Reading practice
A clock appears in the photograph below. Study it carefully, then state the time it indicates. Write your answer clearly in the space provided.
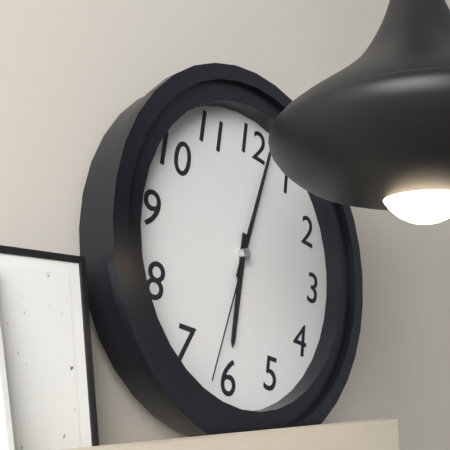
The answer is 6:02:32
